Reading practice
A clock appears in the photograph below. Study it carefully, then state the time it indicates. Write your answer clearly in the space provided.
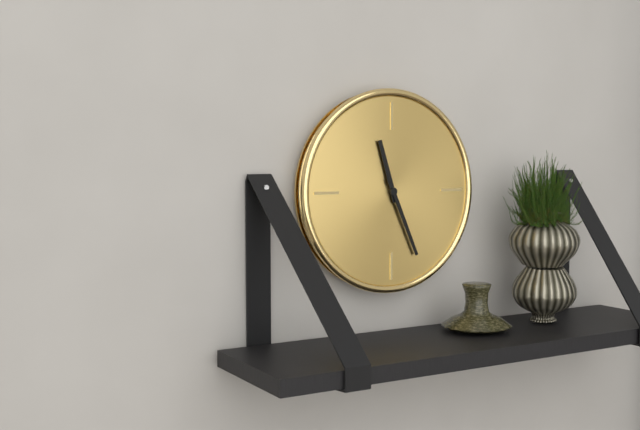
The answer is 11:26
